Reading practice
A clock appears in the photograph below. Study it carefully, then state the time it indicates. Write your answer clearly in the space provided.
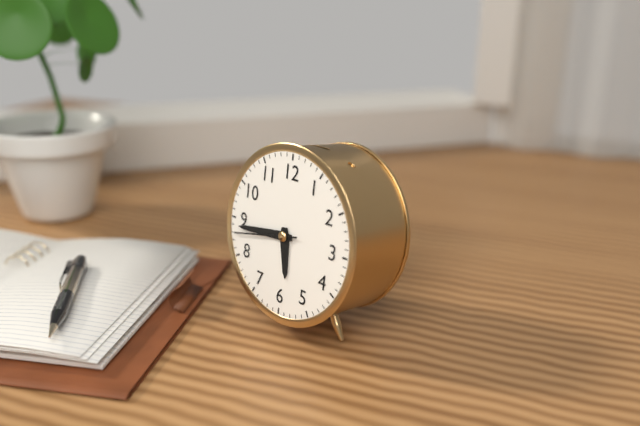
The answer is 5:44:43
